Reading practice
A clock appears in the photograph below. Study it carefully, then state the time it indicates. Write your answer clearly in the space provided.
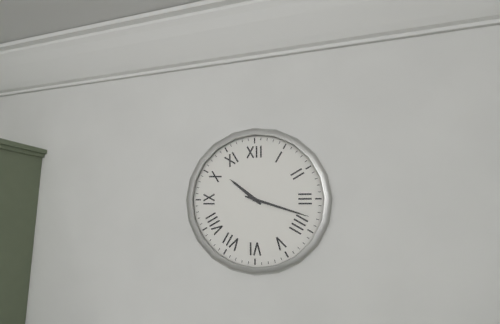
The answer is 10:18
